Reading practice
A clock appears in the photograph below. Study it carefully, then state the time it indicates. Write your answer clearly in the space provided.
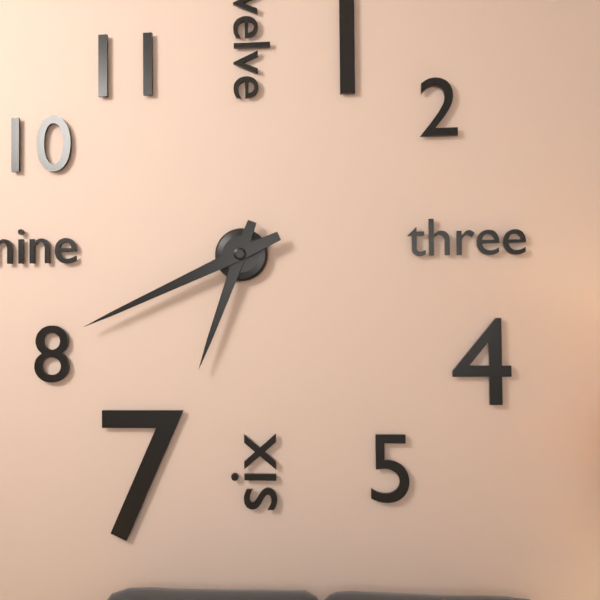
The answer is 6:41
